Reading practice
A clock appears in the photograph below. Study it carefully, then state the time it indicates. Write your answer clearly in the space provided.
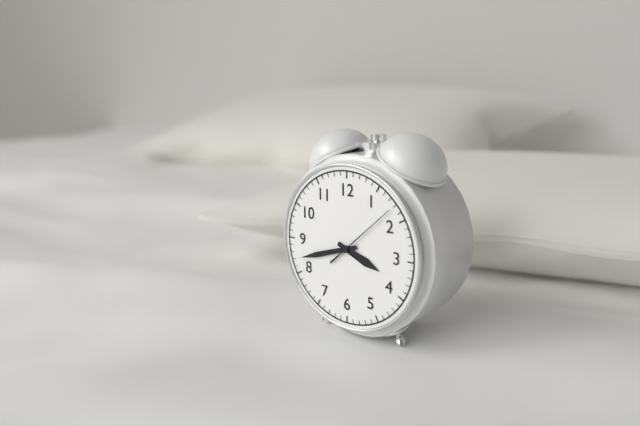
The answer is 3:42:08
